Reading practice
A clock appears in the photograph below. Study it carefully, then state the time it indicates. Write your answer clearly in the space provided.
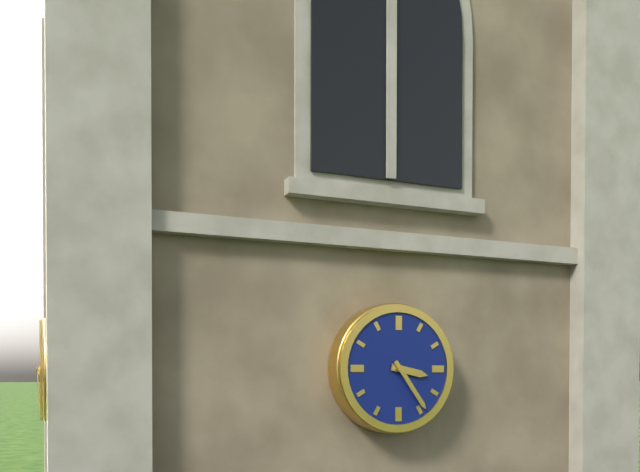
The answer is 3:24
